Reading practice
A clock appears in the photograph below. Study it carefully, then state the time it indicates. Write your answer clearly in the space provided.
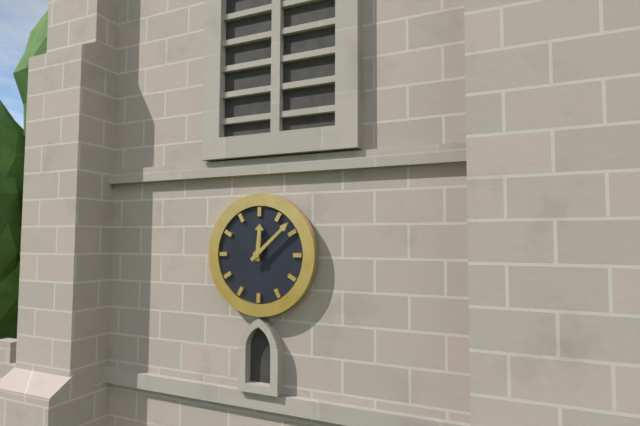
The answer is 12:08
